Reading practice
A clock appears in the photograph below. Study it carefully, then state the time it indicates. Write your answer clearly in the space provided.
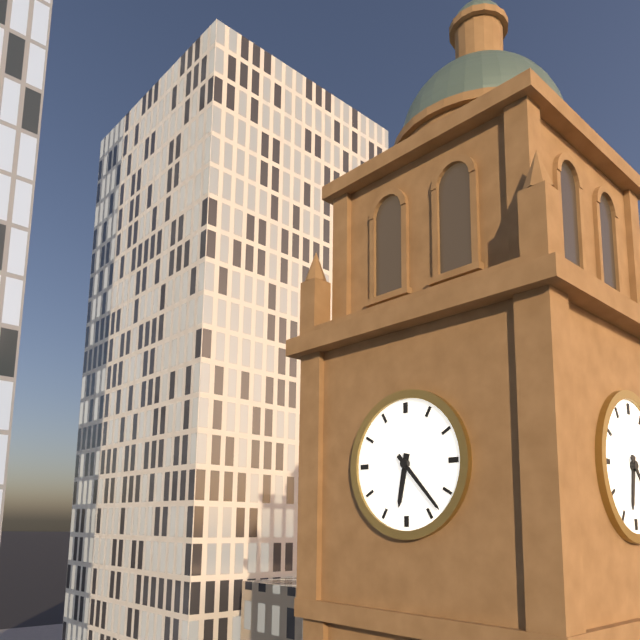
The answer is 6:23
